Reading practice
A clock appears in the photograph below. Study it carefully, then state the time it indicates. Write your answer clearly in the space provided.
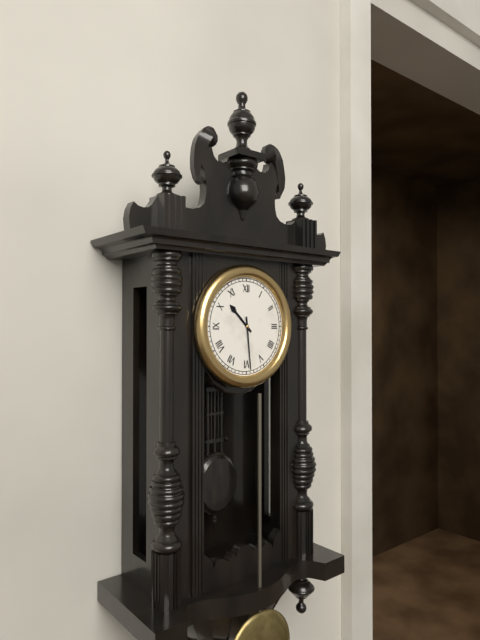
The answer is 10:29
